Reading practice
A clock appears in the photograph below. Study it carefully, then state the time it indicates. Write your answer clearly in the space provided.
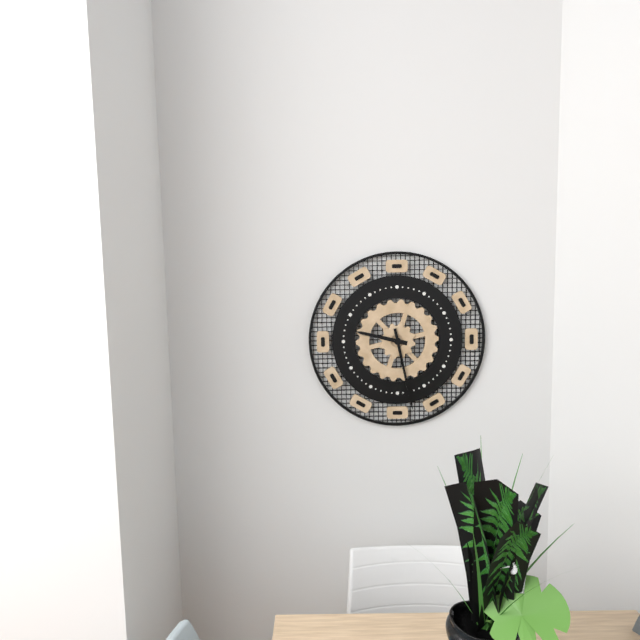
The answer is 9:28
